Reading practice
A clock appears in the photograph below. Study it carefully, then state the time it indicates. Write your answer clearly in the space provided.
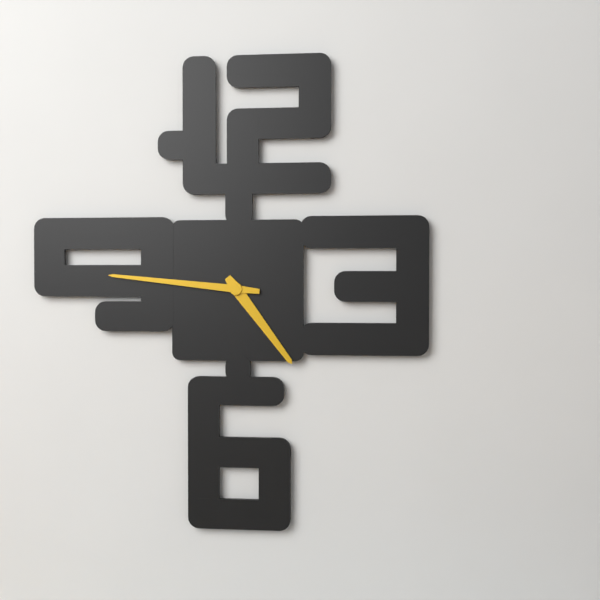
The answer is 4:46
